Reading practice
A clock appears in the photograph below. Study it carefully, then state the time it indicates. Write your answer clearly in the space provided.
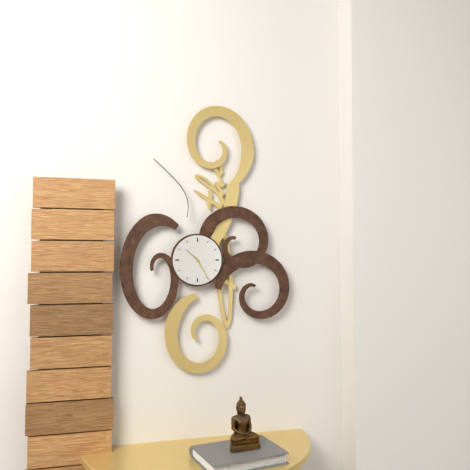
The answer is 10:25
